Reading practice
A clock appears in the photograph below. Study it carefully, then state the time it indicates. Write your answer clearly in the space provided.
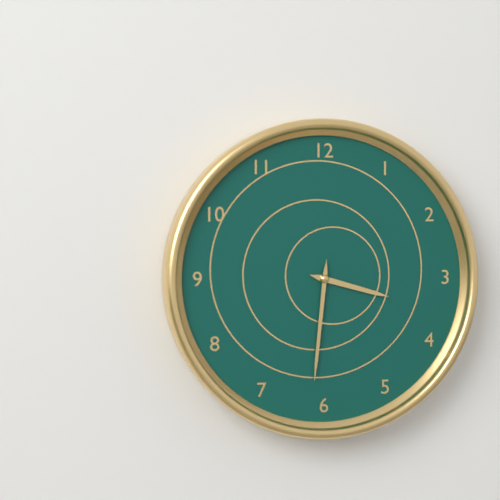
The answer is 3:31
